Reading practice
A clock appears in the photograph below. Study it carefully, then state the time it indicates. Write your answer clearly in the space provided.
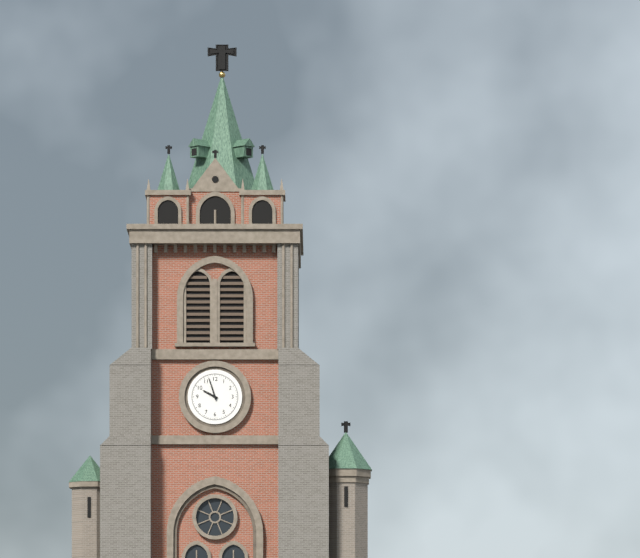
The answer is 9:57
